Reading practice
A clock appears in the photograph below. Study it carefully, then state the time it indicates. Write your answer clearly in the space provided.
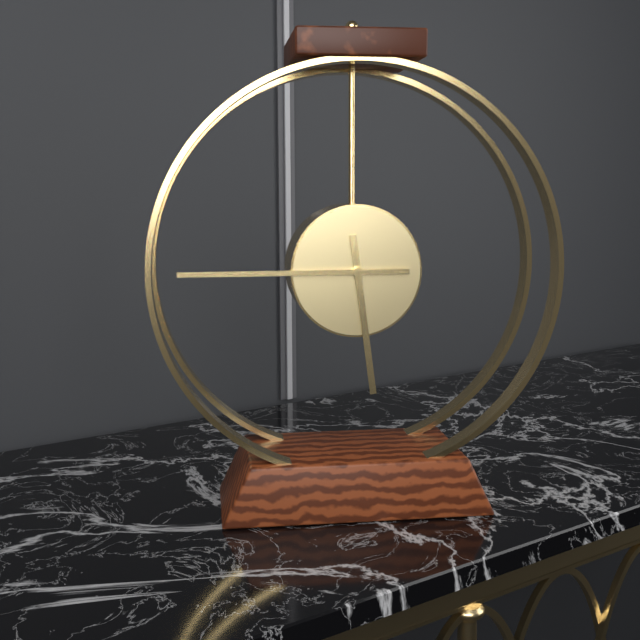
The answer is 5:45
